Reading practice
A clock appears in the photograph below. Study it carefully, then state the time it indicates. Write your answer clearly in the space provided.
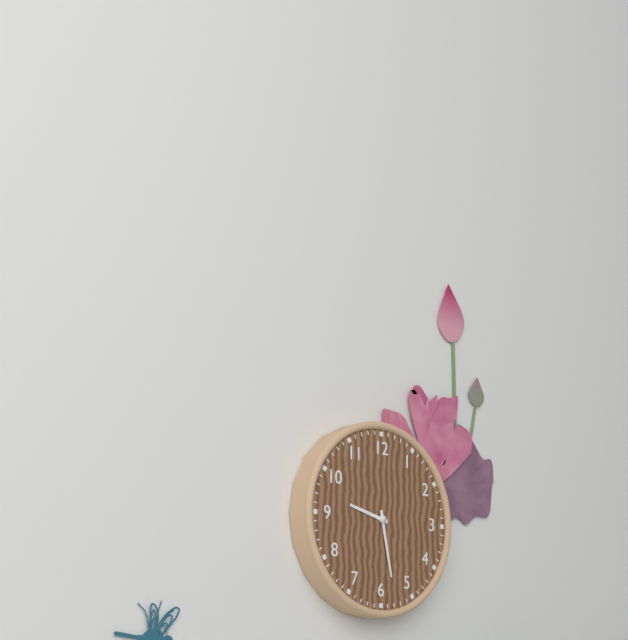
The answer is 9:28
